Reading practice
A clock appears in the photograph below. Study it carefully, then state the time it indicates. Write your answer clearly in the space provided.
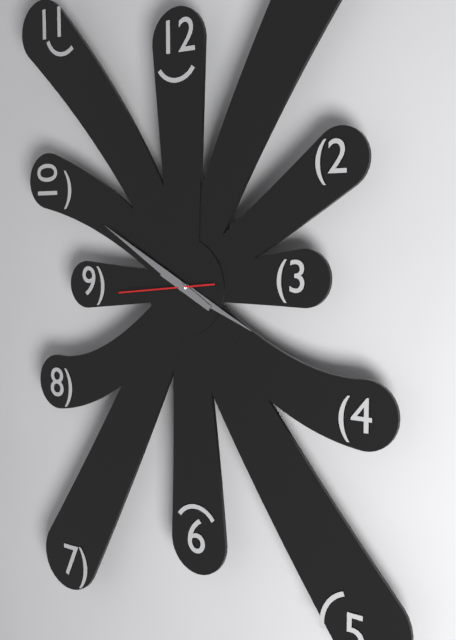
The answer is 3:50:44
